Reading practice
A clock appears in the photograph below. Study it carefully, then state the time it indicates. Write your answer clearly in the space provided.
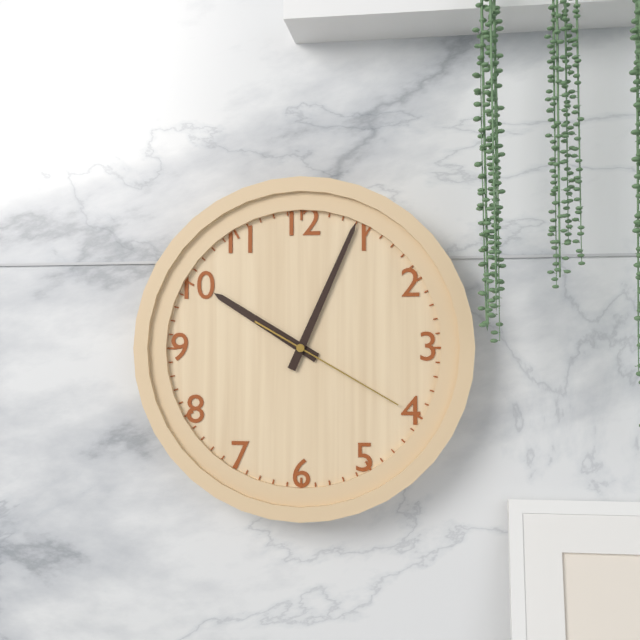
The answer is 10:04:20
